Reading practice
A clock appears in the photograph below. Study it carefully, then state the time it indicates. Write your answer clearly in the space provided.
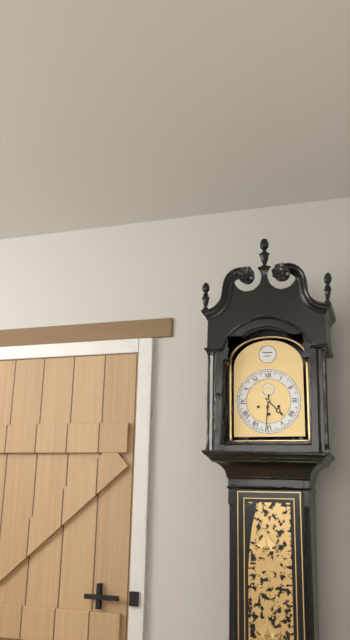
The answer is 4:31
